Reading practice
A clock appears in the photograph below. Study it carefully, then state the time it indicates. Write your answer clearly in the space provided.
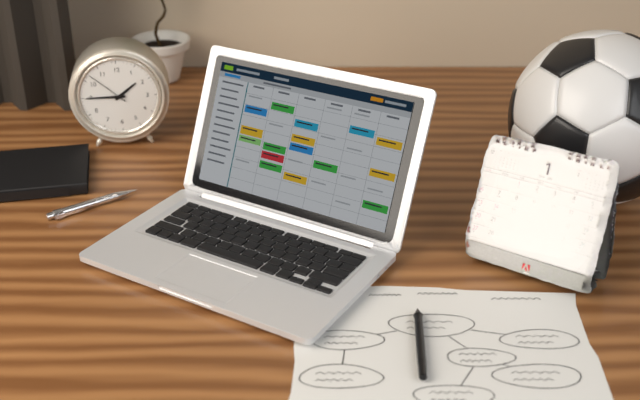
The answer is 1:45
